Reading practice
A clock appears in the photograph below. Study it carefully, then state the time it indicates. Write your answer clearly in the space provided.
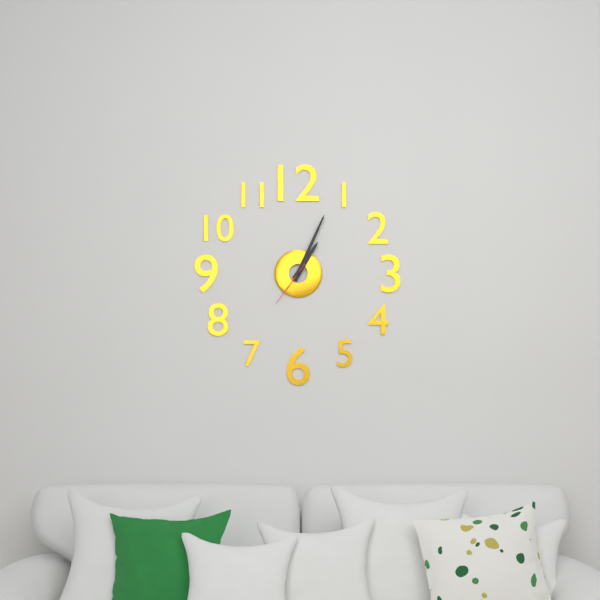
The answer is 1:04
